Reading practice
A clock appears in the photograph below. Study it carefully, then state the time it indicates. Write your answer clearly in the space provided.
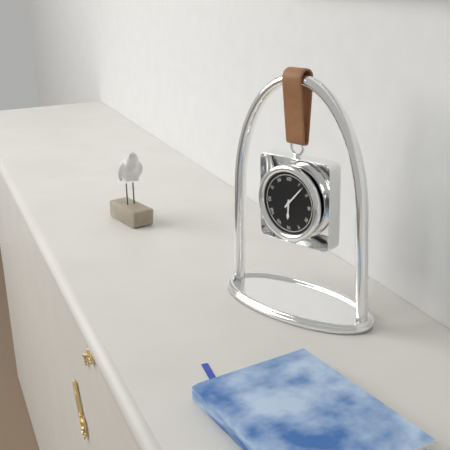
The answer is 6:07
